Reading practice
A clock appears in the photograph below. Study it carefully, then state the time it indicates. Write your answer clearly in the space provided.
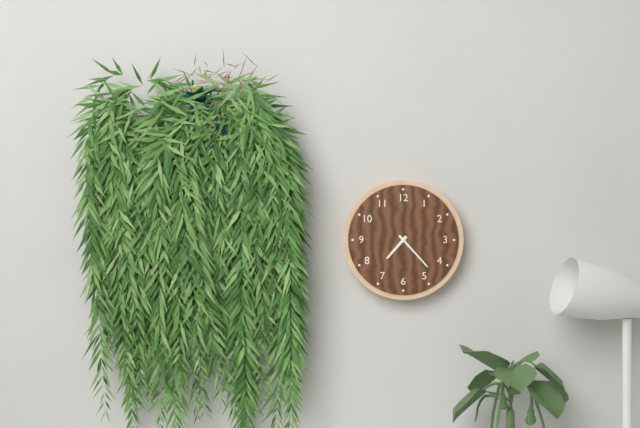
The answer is 7:23
